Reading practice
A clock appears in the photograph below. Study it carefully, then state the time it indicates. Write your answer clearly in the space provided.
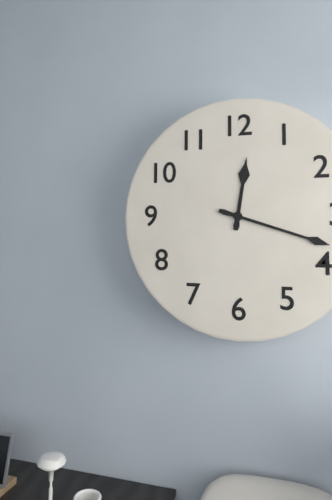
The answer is 12:18
